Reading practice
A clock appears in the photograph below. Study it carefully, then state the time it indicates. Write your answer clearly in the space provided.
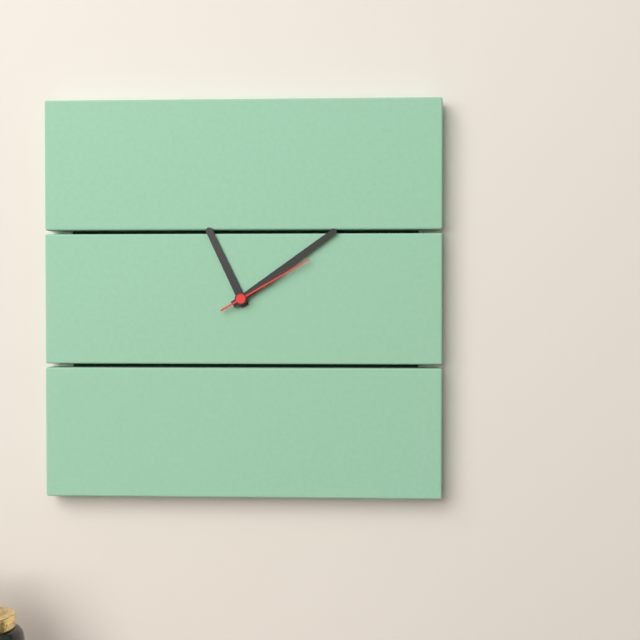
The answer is 11:09:10
